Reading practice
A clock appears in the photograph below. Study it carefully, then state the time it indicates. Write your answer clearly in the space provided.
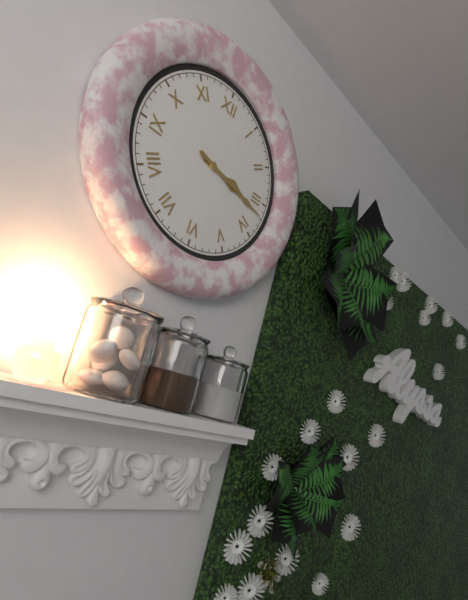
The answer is 3:17
